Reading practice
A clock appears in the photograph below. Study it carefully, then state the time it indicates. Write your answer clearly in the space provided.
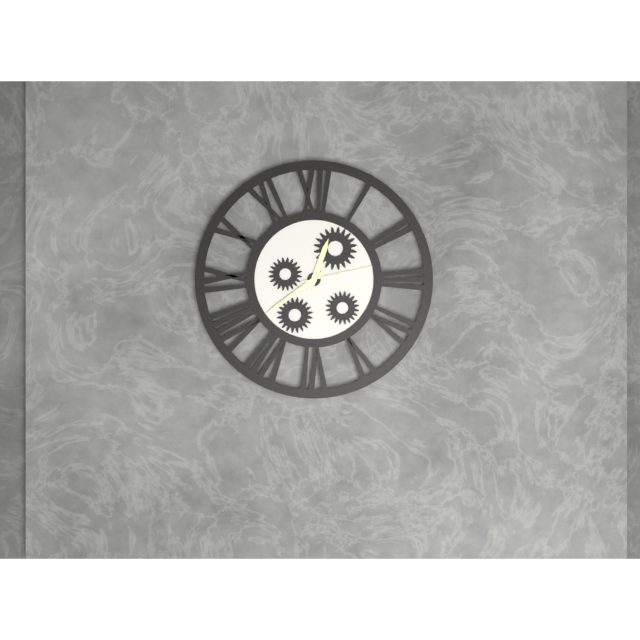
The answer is 12:39:13
